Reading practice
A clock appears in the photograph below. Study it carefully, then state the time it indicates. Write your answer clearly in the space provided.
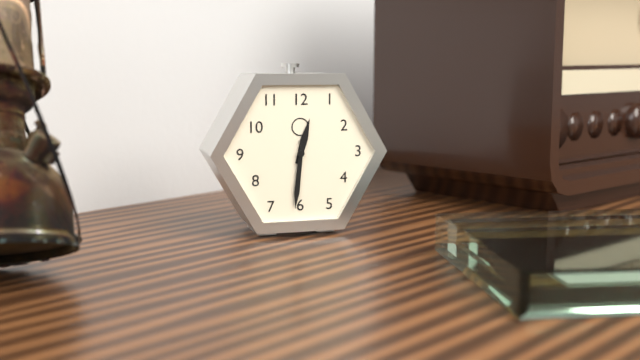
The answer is 12:31
